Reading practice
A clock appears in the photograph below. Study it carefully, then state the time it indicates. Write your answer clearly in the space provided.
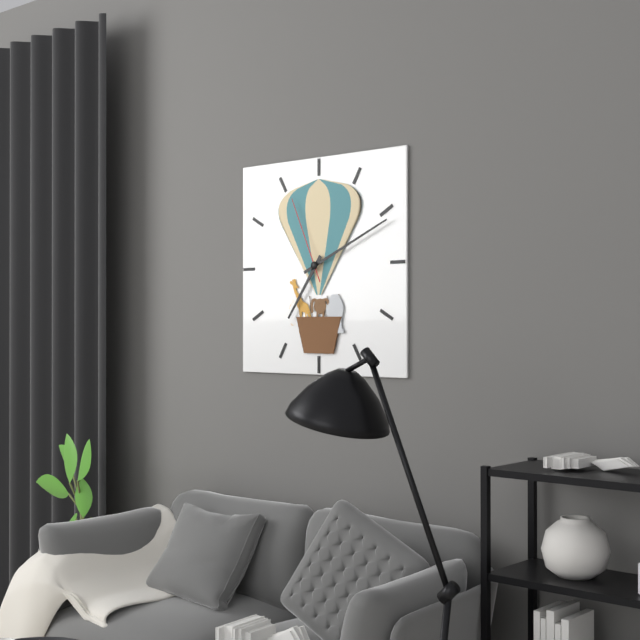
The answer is 7:11:56
